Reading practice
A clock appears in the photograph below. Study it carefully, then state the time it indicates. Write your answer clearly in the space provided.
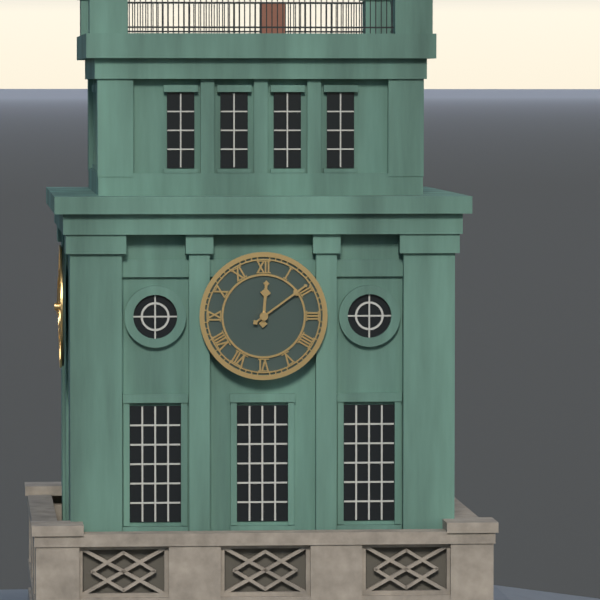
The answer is 12:09
